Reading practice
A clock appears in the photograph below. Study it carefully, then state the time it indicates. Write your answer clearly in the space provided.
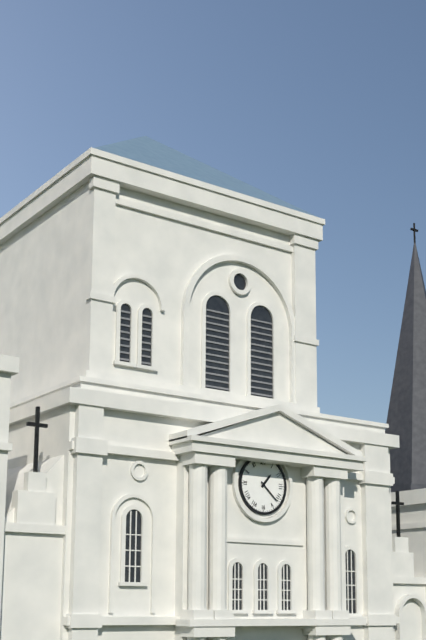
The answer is 1:22
